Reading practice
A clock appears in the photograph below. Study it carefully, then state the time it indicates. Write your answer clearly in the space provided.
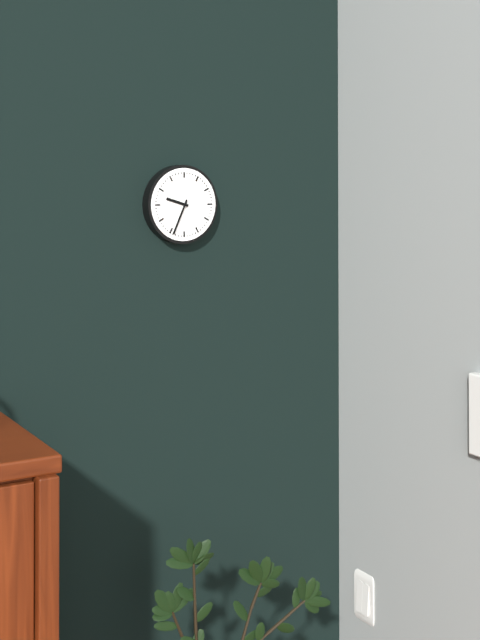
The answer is 9:34
